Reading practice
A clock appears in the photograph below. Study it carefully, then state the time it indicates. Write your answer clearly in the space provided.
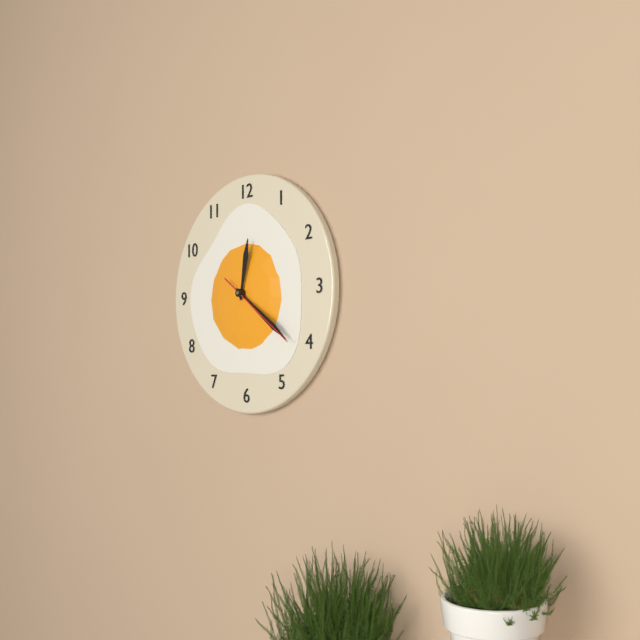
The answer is 12:21:21
